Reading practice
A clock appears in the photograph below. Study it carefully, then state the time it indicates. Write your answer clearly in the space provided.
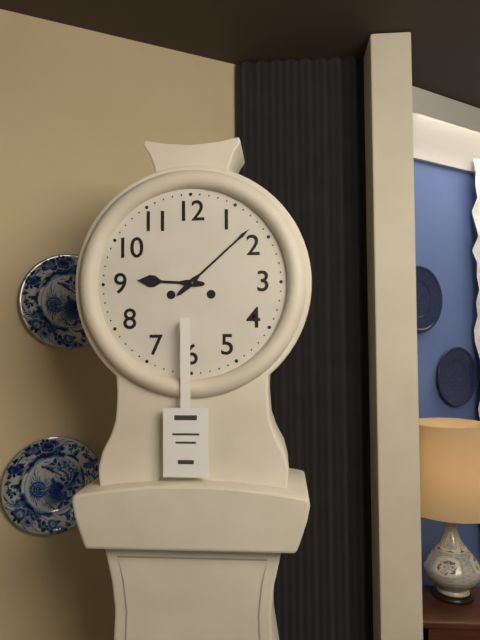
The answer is 9:08
